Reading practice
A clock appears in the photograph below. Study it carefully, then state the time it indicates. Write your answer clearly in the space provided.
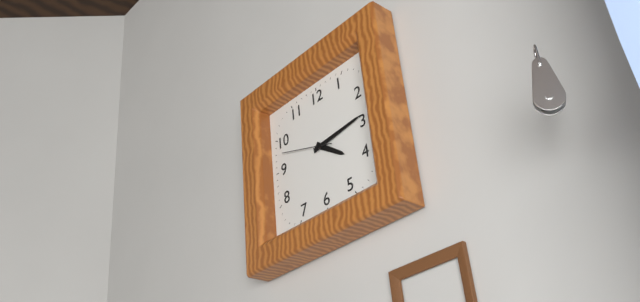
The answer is 4:14
